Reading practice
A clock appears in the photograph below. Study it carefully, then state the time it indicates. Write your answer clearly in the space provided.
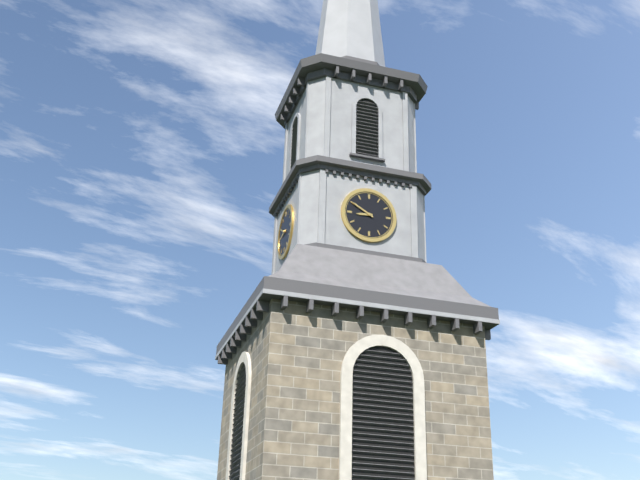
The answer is 8:50
